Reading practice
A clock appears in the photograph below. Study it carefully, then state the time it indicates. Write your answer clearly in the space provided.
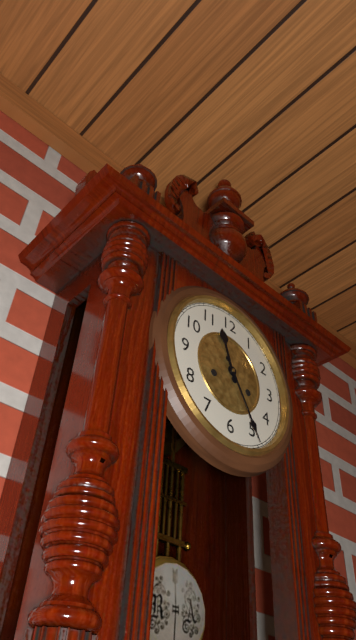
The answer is 11:25
